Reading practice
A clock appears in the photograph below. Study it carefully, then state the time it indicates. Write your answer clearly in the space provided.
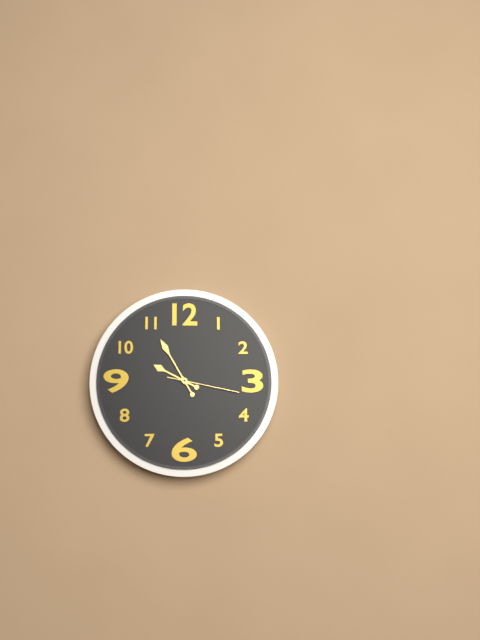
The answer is 9:55:17
